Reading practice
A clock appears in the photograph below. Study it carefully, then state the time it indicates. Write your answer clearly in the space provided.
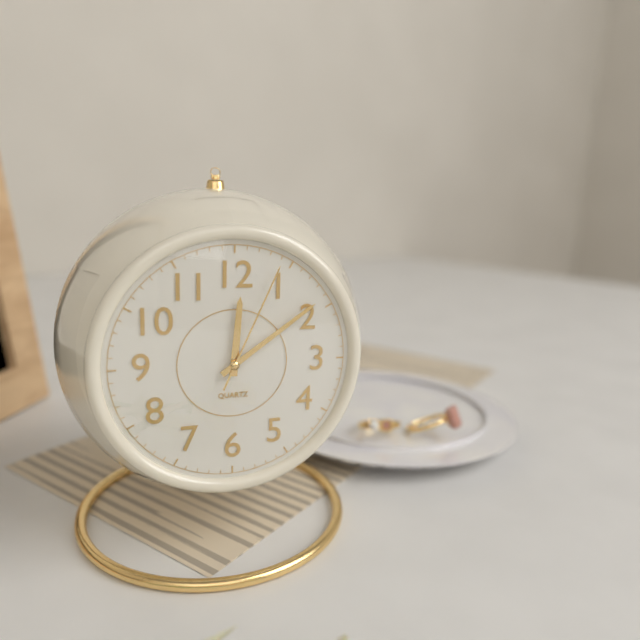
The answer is 12:09:04
